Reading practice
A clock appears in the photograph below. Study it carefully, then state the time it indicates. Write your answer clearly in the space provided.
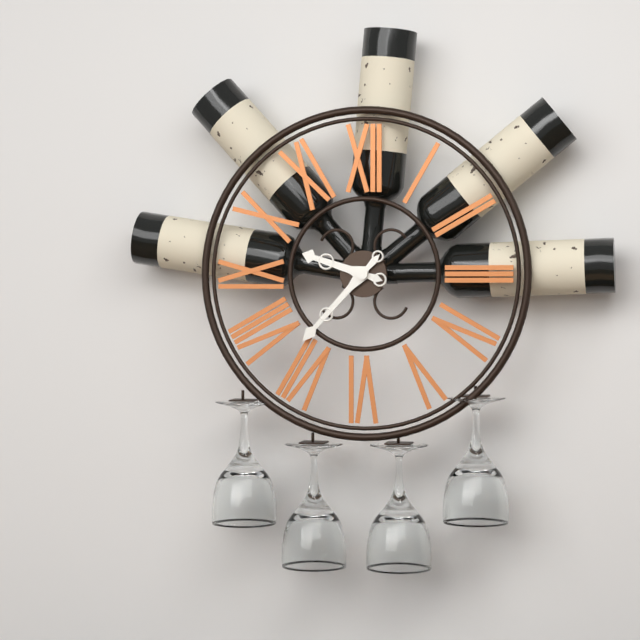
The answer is 9:37
